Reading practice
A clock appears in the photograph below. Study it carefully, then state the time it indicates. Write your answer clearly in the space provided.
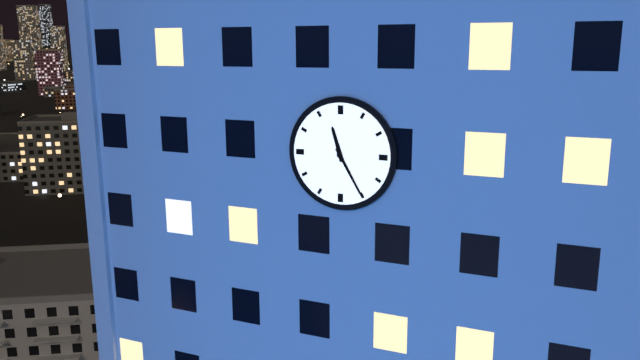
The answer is 11:25
